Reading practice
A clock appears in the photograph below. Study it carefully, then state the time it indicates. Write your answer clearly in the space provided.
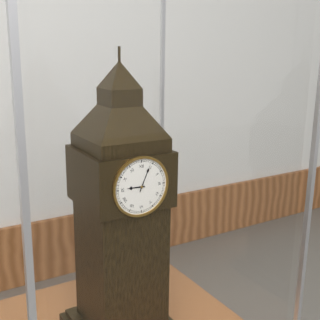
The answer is 9:04
